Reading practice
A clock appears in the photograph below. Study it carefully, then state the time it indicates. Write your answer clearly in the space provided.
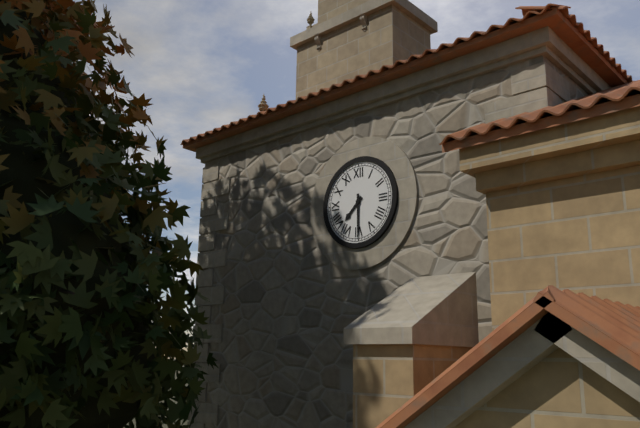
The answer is 7:30
